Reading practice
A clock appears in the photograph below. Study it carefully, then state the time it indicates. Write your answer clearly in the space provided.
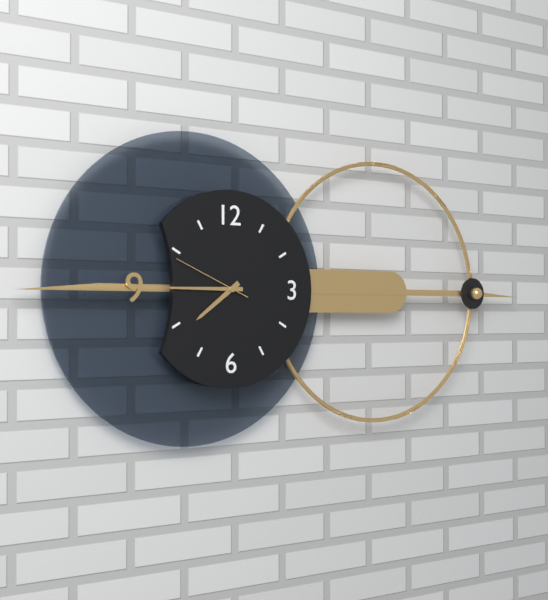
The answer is 7:45:49
